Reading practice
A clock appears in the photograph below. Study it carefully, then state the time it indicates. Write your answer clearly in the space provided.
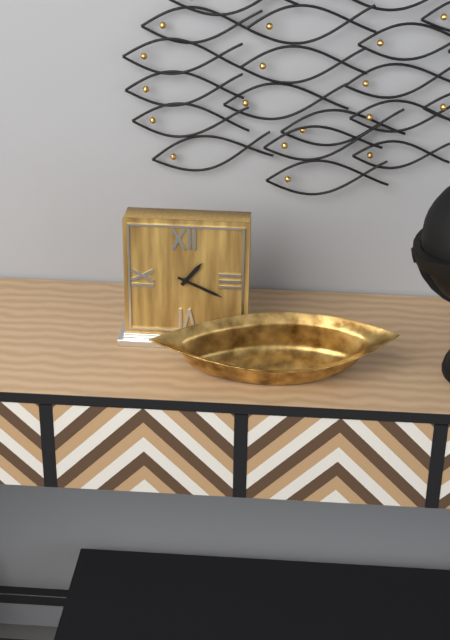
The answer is 1:19
